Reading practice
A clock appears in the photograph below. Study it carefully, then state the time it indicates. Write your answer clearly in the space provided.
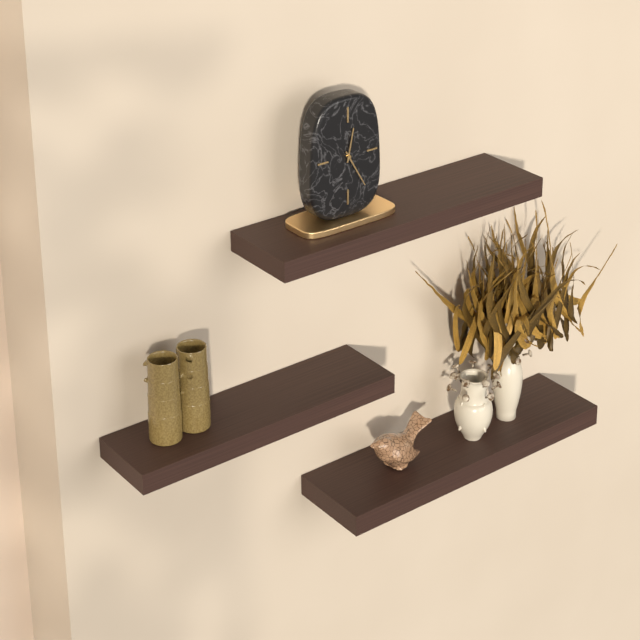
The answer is 12:25
